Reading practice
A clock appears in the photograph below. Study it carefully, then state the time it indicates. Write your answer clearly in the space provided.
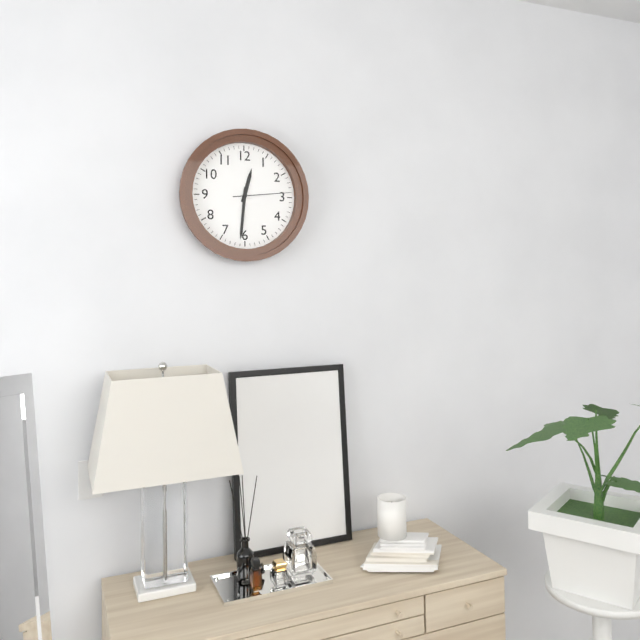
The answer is 12:31:14
